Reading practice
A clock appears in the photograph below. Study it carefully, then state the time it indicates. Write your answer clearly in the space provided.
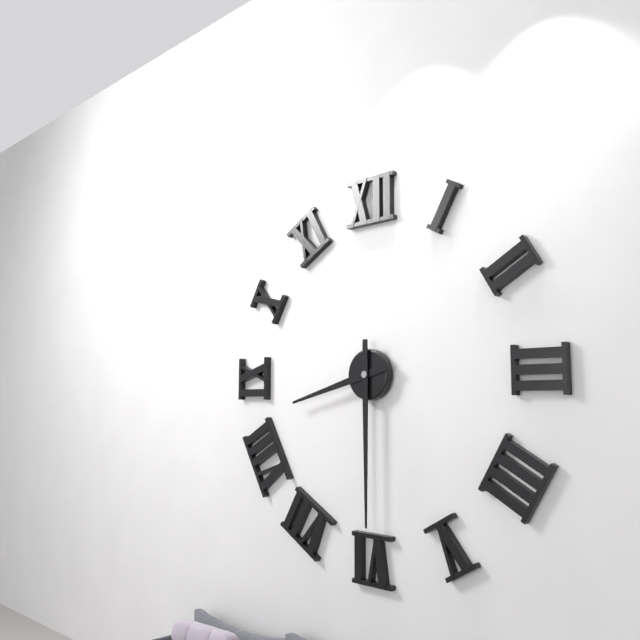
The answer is 8:30
